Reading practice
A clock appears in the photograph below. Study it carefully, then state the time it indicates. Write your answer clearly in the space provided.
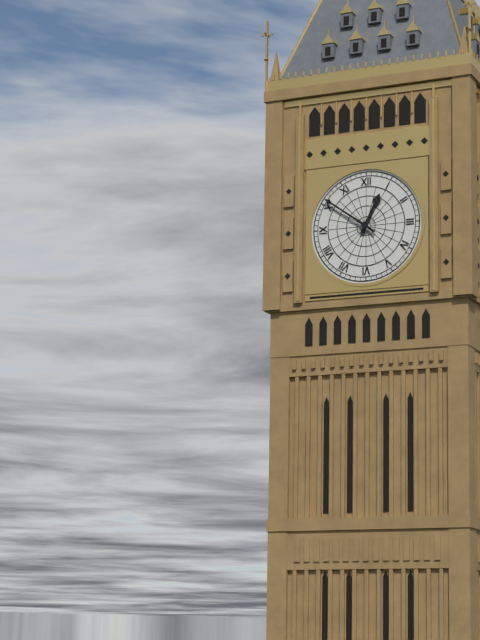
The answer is 12:51
